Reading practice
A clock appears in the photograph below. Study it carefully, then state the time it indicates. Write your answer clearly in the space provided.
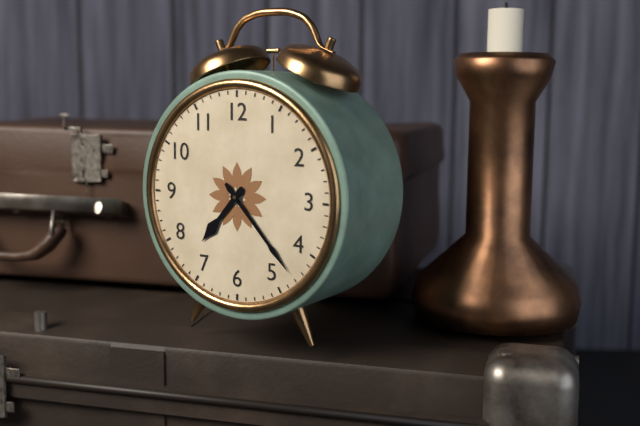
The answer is 7:23
